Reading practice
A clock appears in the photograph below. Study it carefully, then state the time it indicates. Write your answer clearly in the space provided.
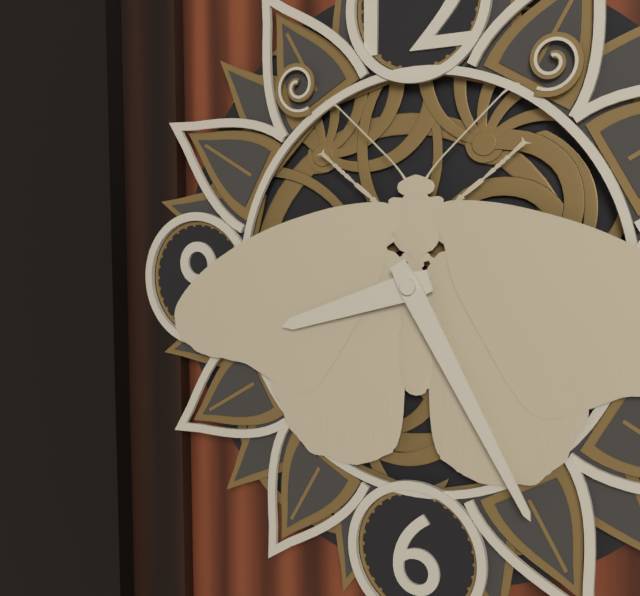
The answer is 8:25
